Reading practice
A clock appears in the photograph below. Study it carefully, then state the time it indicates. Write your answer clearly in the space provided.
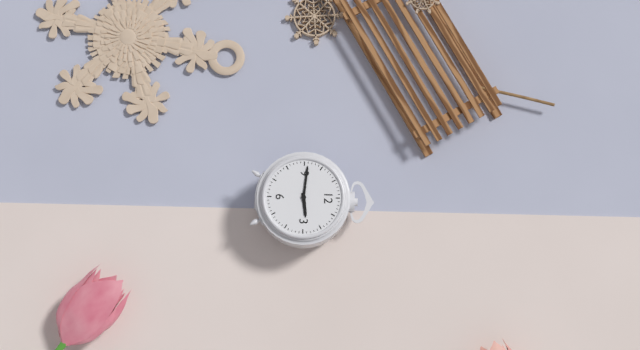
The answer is 2:46
